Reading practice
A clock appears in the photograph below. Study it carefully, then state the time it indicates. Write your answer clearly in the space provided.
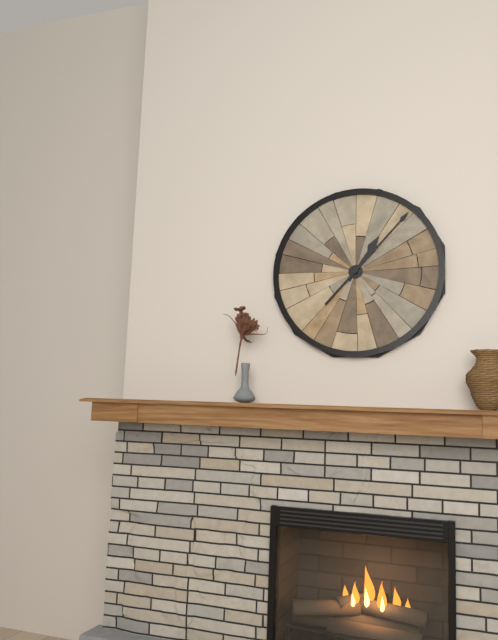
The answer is 1:07
